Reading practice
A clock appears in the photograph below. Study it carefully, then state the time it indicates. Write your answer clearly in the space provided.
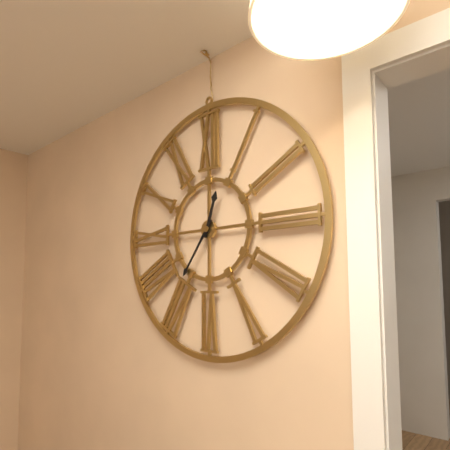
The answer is 12:36
